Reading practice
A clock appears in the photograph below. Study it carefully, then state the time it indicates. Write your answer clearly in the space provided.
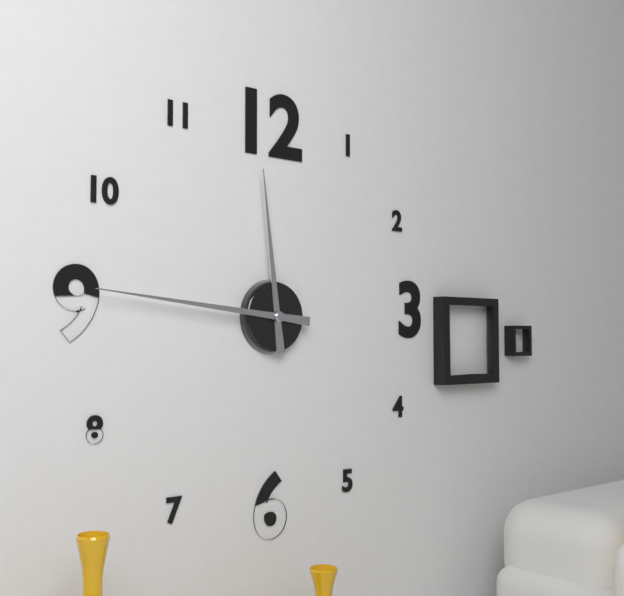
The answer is 11:46
